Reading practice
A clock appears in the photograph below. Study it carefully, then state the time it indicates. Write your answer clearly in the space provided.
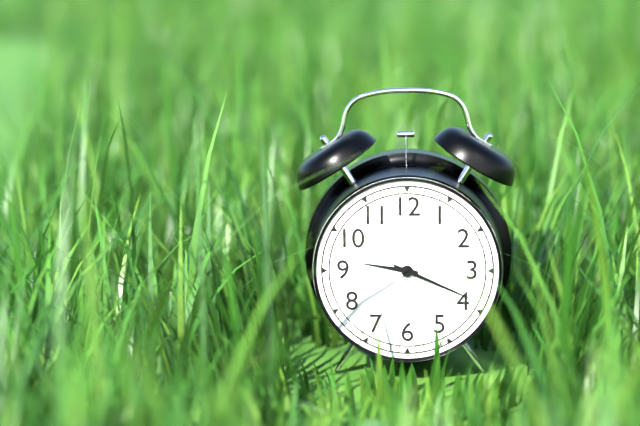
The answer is 9:19
